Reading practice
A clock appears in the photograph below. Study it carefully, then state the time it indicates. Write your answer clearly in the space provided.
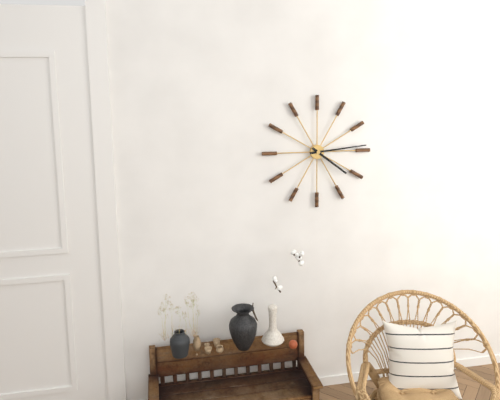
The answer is 4:14
